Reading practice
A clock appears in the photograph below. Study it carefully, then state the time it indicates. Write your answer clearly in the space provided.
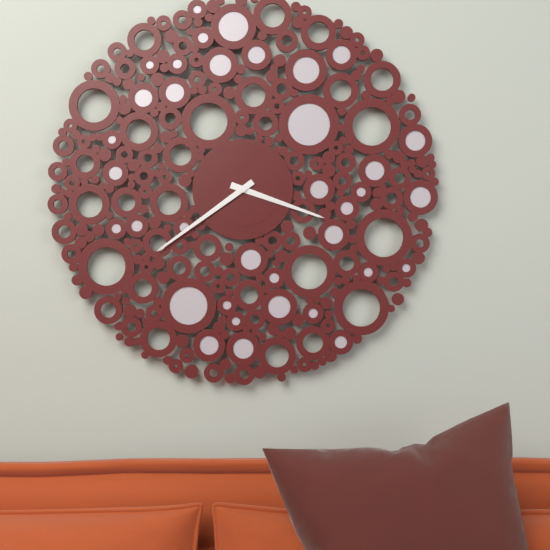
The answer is 3:39
